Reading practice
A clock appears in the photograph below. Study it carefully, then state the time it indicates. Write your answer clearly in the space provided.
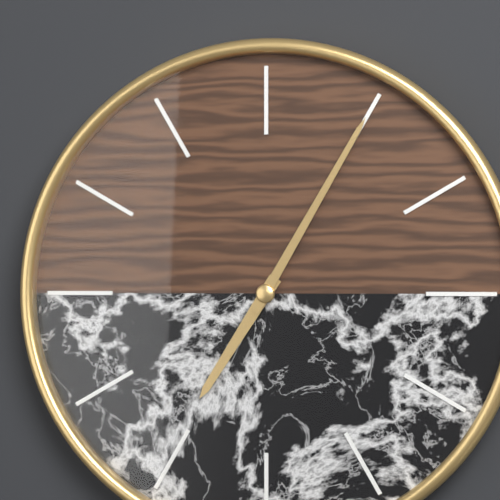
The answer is 7:05
